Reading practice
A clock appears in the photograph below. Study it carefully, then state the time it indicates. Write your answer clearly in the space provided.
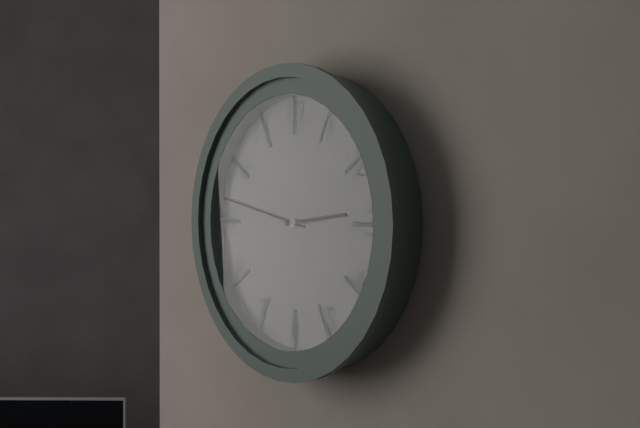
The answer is 2:47
